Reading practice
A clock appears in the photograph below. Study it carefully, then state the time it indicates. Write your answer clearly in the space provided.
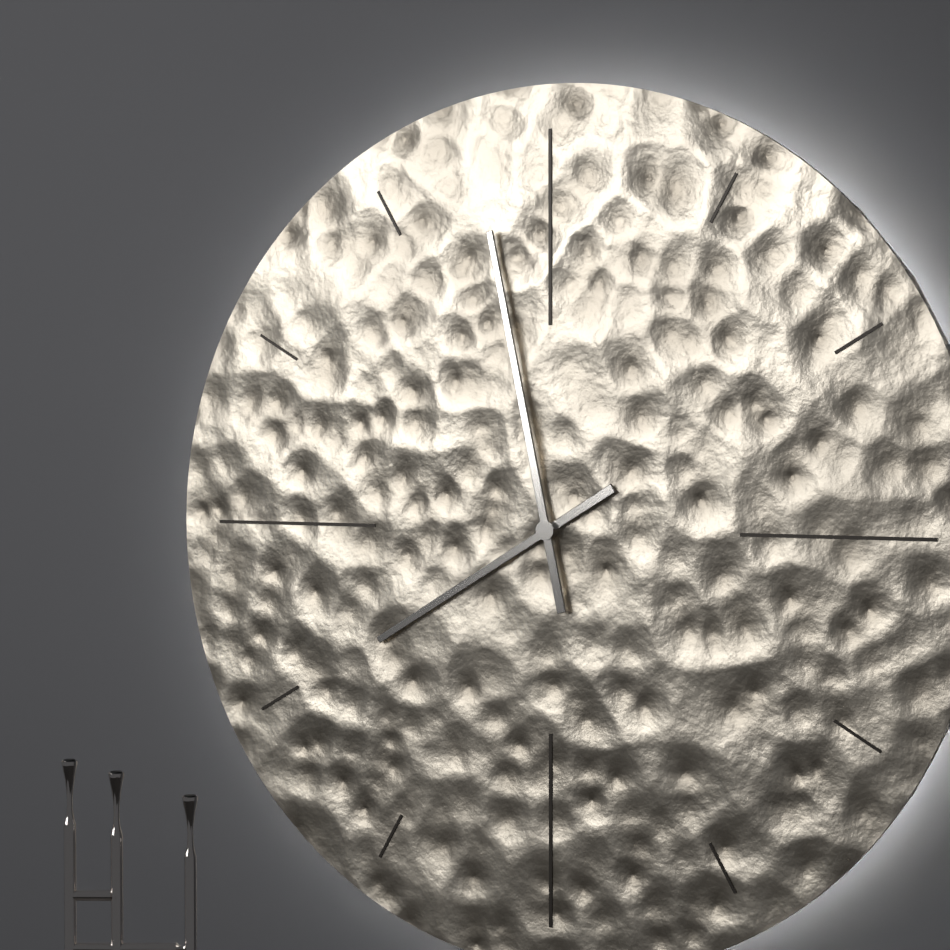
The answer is 7:58
